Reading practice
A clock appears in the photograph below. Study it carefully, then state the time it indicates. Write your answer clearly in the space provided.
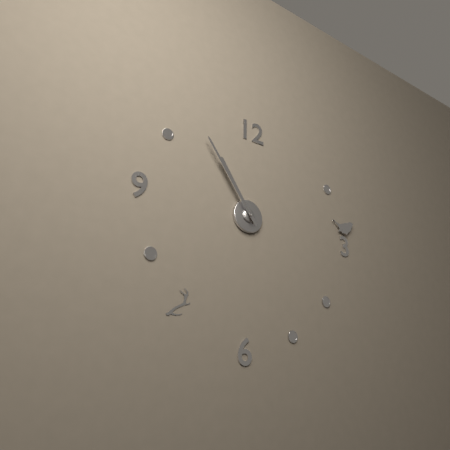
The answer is 10:54
